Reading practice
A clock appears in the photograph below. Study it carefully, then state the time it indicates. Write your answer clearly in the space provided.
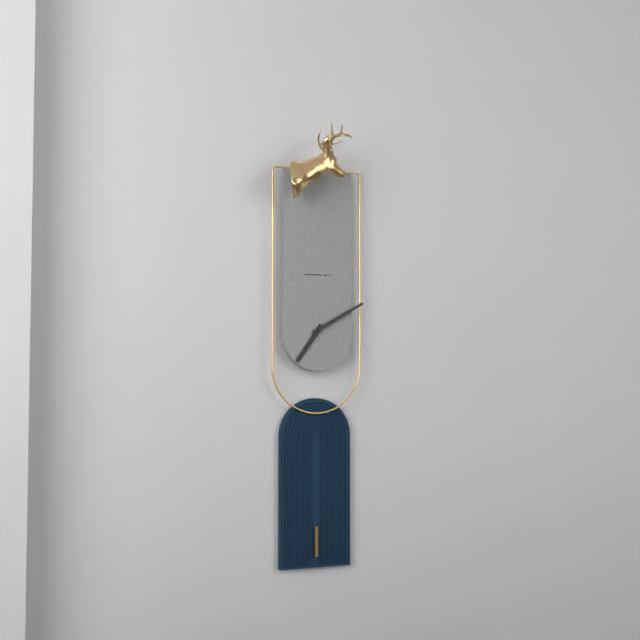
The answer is 7:10
